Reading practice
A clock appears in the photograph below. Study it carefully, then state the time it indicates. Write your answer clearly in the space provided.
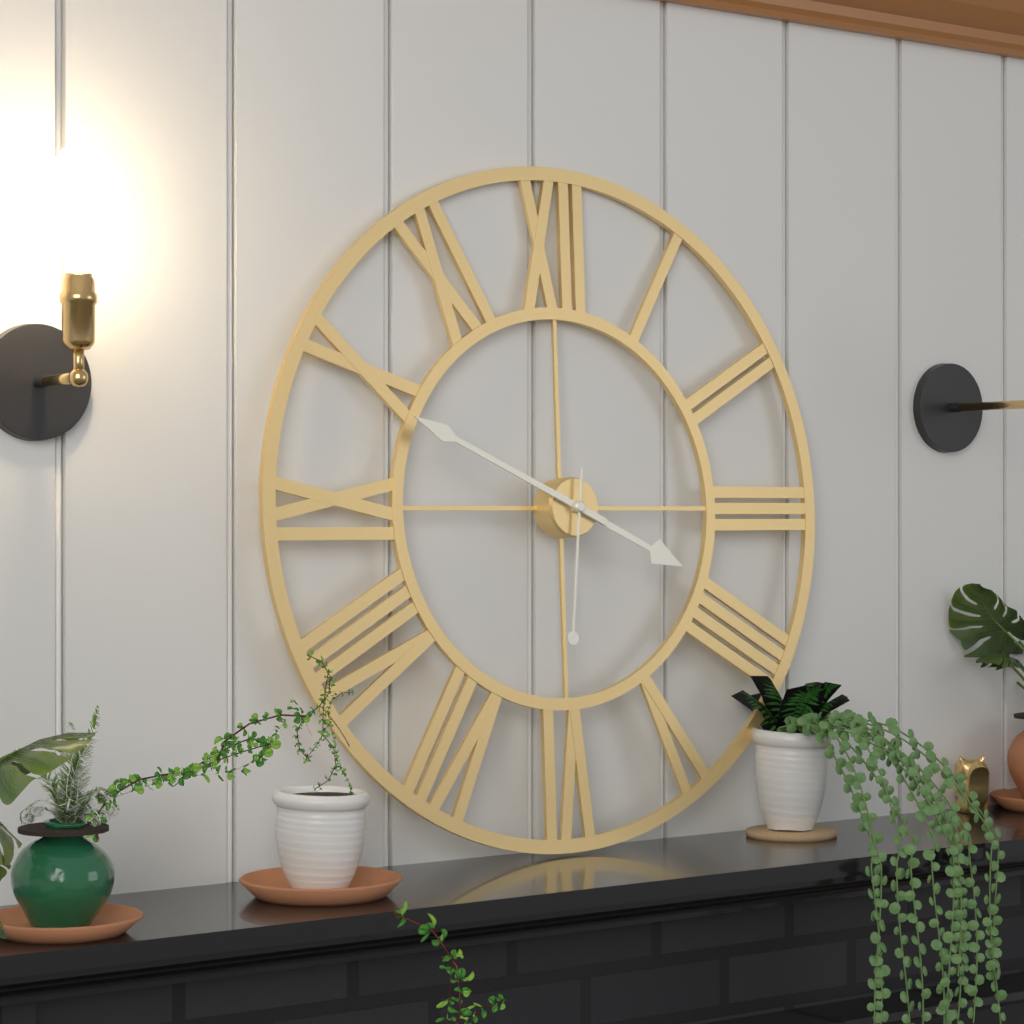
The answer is 3:49:31
